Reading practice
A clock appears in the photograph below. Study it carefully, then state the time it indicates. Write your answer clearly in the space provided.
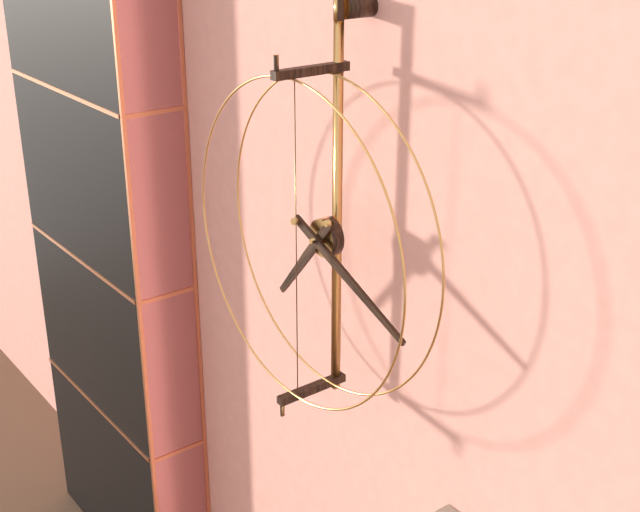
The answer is 7:19
